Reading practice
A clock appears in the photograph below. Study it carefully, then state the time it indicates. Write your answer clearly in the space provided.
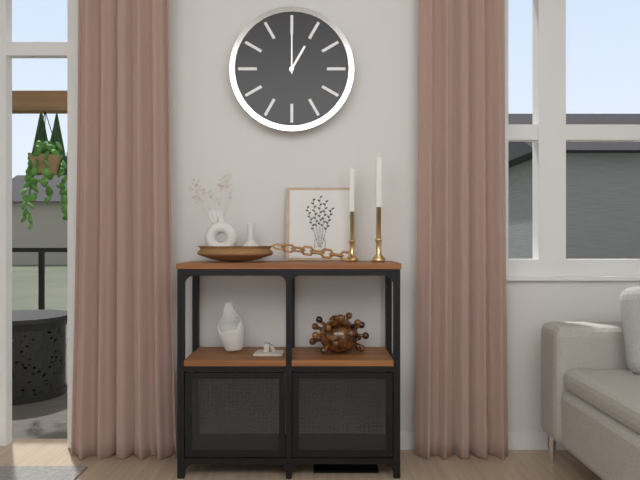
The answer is 1:00
